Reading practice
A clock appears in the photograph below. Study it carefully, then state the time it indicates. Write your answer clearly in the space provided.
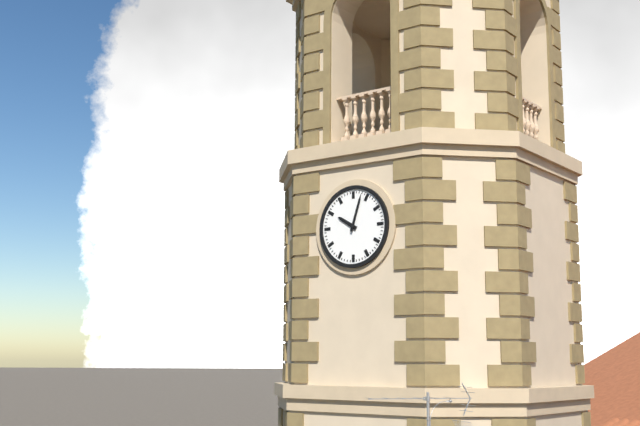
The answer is 10:03
